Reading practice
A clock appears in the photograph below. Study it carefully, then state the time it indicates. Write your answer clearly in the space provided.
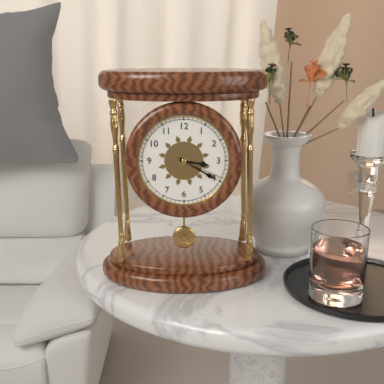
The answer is 3:20:19
